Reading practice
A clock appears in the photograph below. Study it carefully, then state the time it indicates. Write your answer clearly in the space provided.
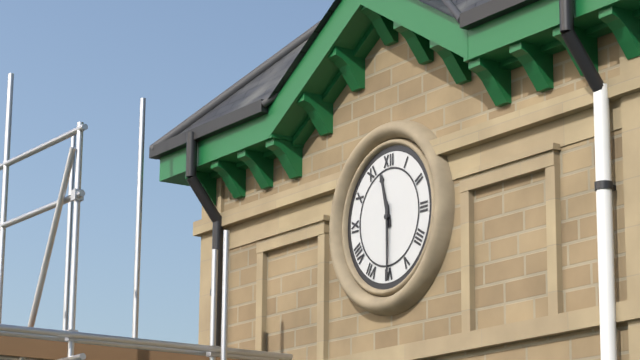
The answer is 11:30
